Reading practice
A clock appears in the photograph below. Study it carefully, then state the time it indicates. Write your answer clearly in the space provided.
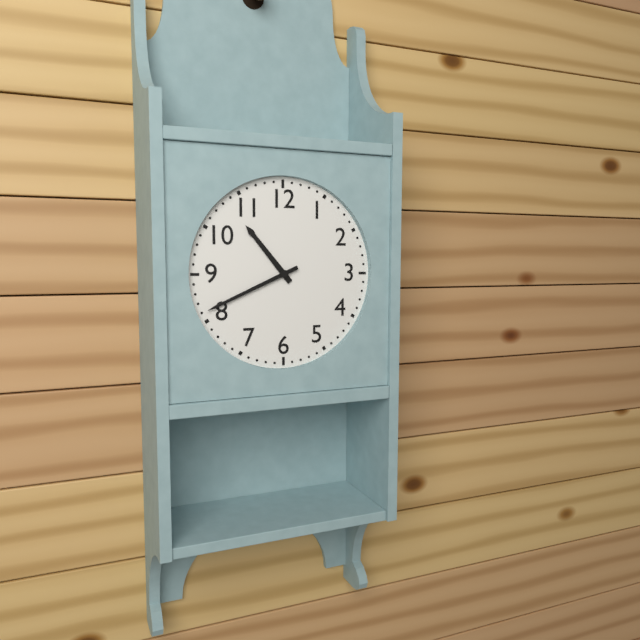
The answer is 10:41
